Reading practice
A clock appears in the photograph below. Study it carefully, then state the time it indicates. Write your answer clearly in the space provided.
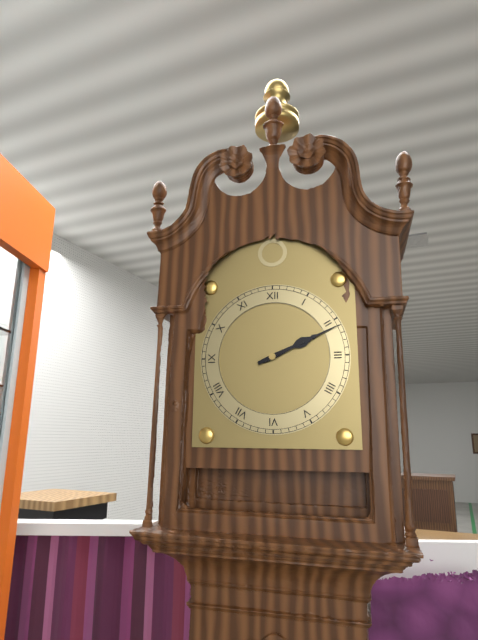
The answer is 2:11
